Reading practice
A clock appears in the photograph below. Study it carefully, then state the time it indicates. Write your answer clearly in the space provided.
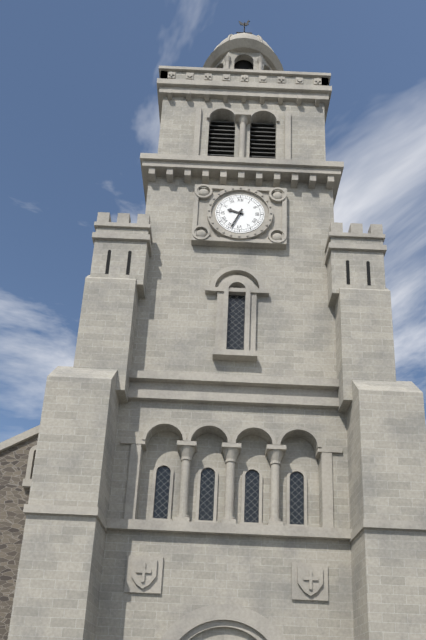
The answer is 9:34
